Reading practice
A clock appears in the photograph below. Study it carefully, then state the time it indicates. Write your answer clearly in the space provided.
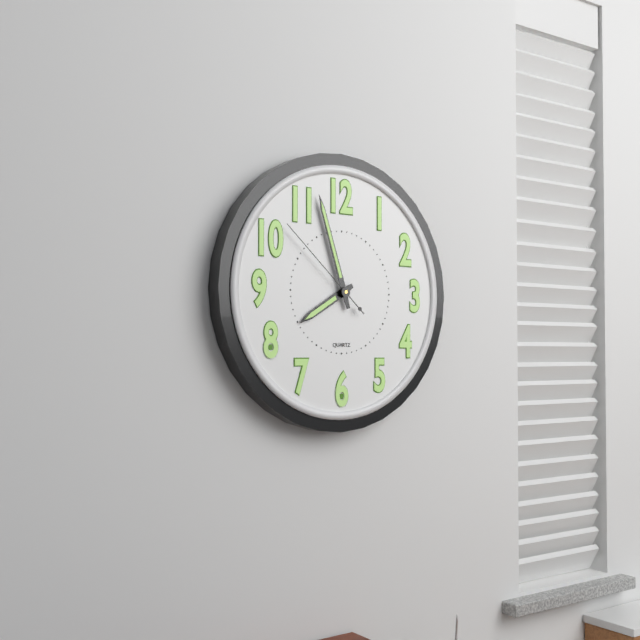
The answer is 7:57:52
